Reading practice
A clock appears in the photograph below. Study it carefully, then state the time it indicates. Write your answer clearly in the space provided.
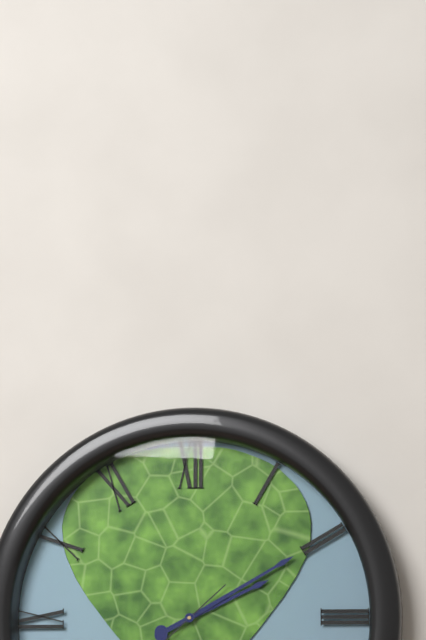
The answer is 2:10
